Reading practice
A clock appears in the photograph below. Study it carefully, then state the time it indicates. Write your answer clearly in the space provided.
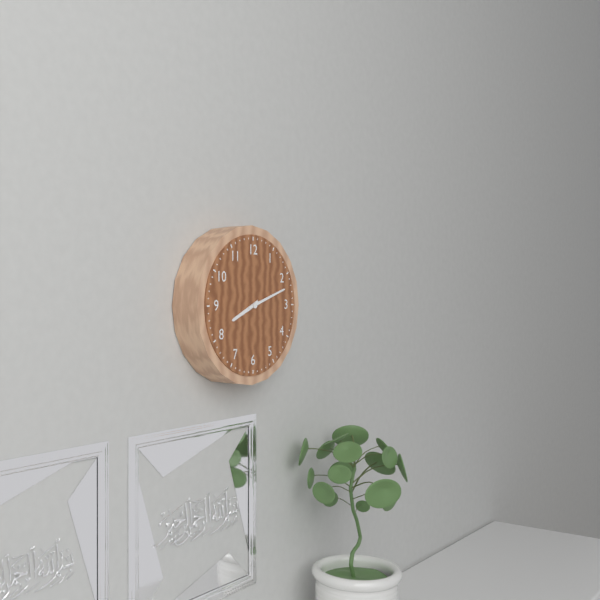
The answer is 8:12
